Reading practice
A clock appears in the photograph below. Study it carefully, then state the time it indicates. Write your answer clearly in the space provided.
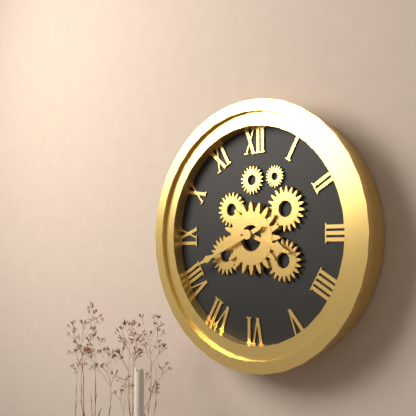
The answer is 3:41
